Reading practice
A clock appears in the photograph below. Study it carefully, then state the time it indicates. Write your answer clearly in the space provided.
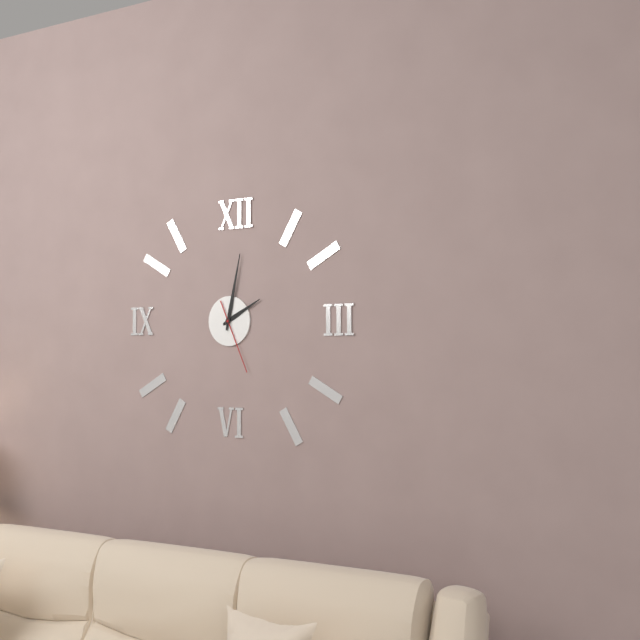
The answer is 2:02:26
